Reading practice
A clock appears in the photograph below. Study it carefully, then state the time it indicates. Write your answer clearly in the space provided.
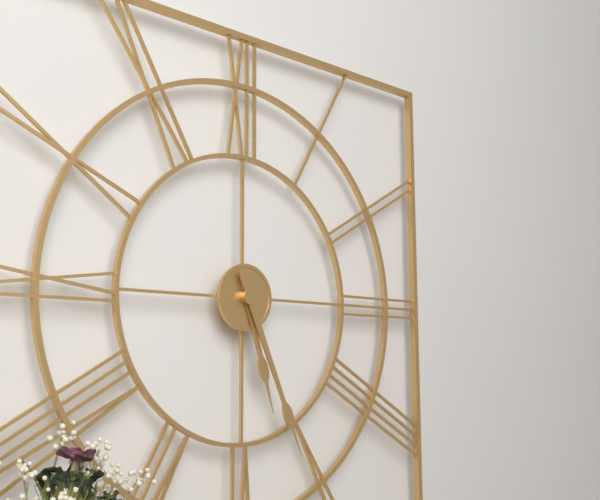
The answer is 5:26
